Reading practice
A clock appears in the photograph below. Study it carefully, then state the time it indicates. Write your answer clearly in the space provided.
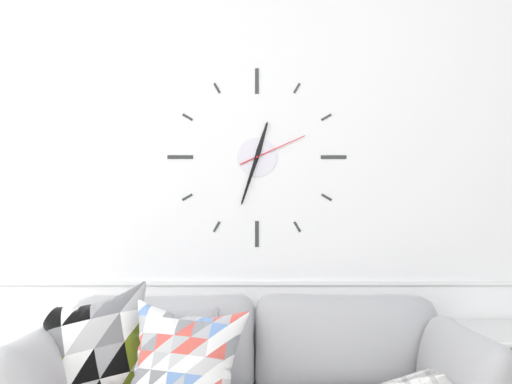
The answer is 12:33:11
